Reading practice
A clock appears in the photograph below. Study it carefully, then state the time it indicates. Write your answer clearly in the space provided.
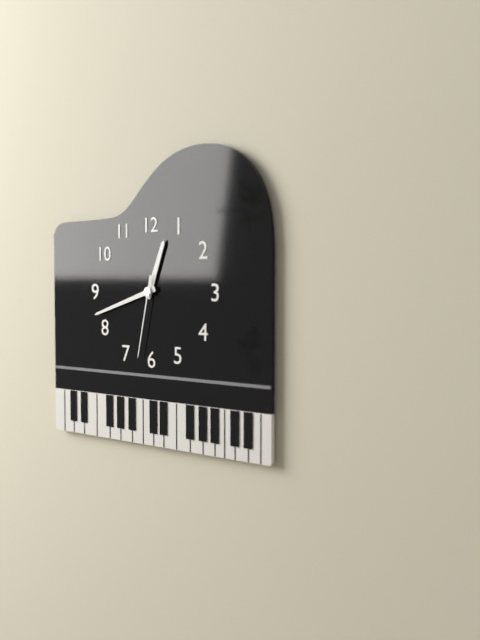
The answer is 12:42:32
